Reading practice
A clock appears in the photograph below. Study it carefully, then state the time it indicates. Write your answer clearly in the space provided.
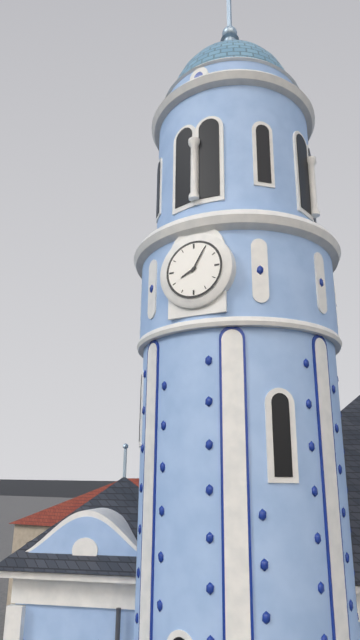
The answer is 8:05
